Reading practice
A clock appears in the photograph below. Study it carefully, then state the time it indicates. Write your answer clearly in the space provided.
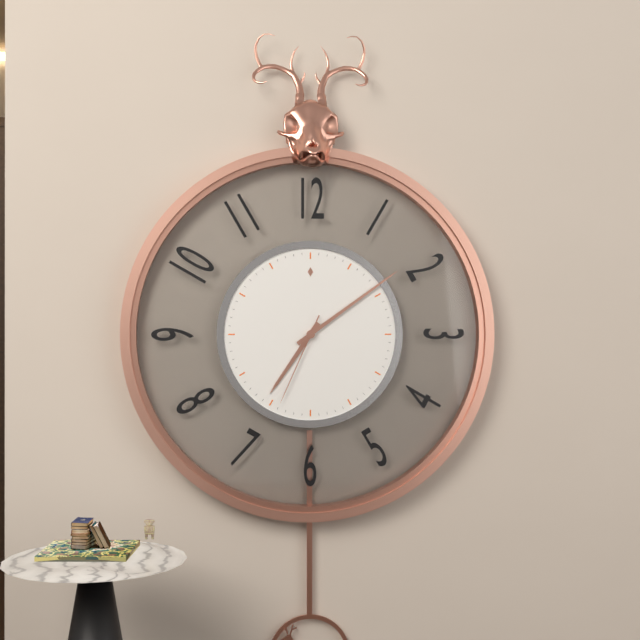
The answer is 7:09:34
